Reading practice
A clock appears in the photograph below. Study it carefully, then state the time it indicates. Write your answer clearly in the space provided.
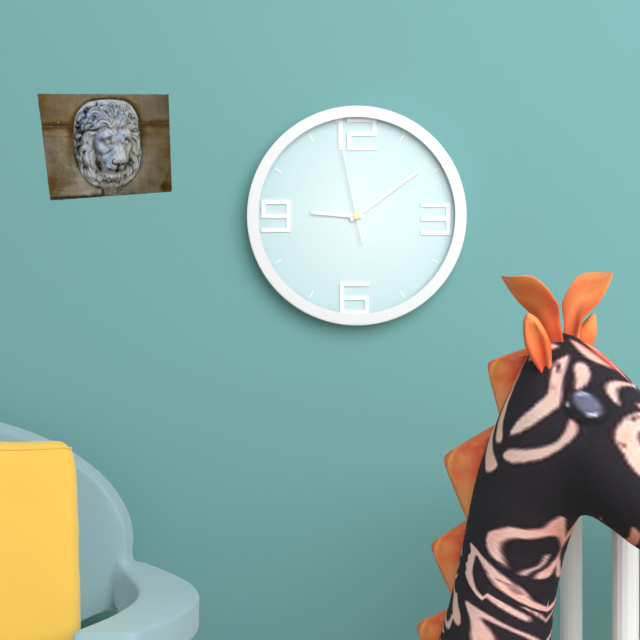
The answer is 9:09:58
